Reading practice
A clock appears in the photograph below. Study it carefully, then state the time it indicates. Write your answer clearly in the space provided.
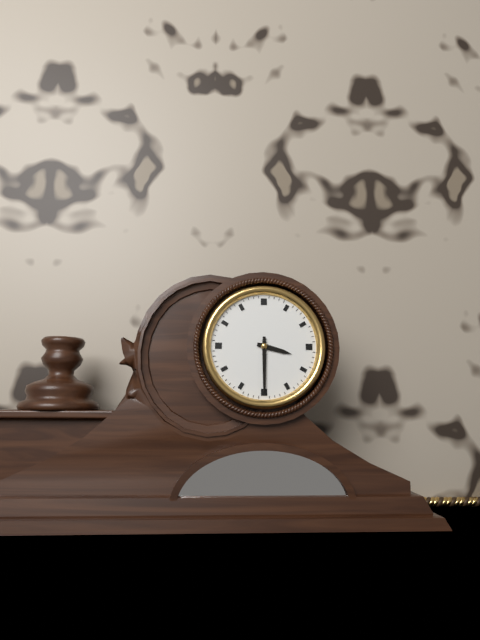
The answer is 3:30
